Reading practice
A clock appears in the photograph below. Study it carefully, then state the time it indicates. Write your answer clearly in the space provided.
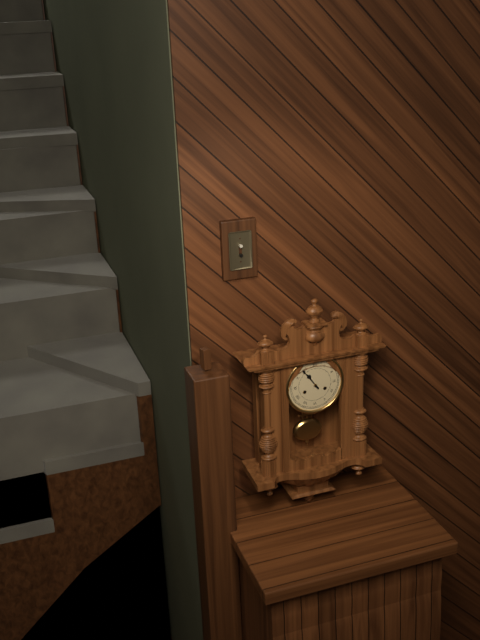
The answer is 10:54
